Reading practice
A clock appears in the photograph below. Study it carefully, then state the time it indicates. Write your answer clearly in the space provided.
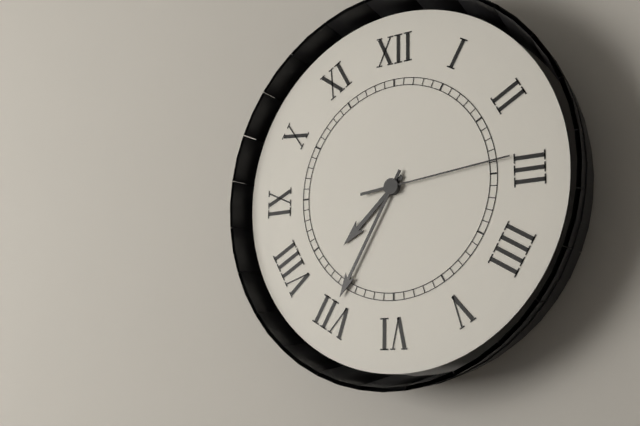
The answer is 7:35:14
